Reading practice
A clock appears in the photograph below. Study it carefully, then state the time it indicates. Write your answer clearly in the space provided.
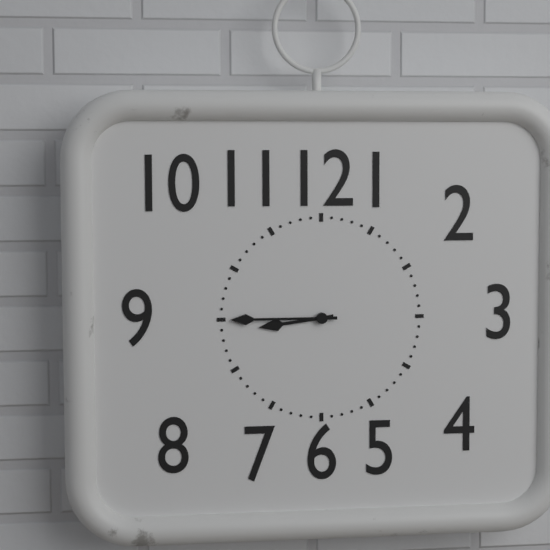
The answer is 8:45
